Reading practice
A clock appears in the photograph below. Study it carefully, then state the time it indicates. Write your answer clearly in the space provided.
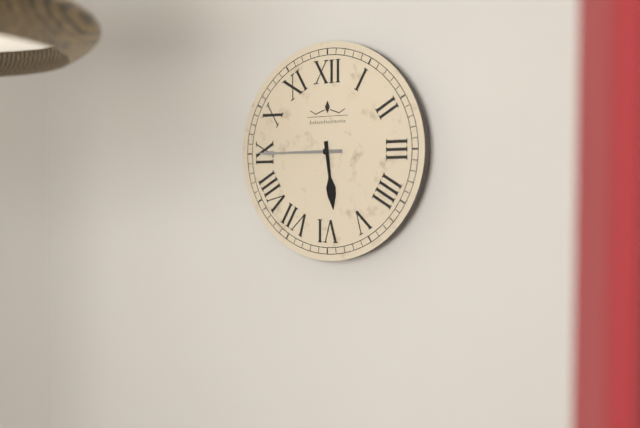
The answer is 5:45
